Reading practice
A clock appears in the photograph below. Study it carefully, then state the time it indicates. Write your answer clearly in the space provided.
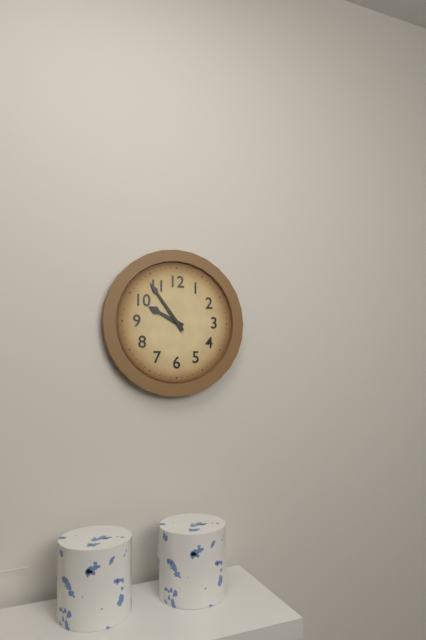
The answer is 9:54
